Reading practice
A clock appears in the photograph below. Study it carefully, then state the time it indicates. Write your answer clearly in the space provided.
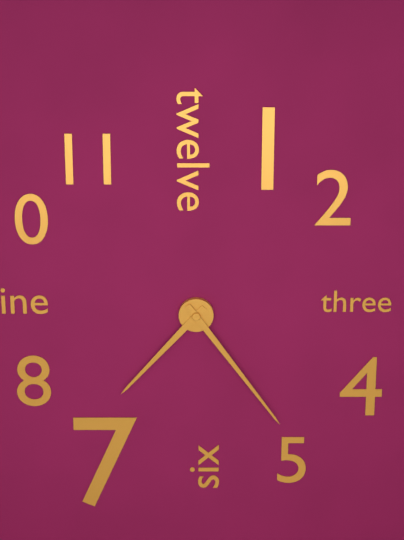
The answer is 7:24
